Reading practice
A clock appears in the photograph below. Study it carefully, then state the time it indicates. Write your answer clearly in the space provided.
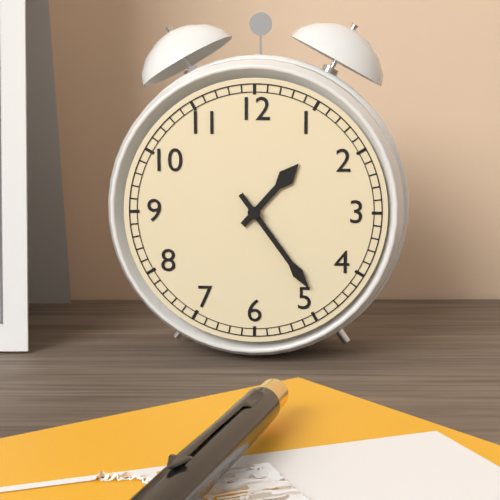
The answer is 1:24
